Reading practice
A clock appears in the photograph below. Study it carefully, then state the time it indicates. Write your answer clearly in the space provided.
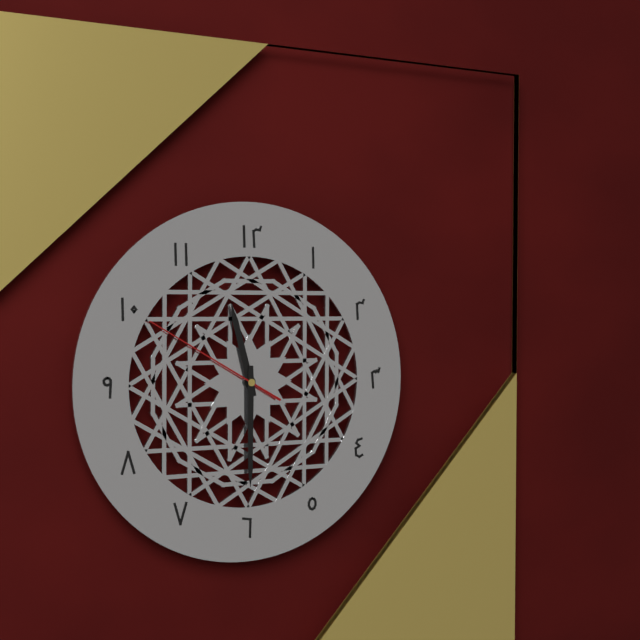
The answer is 11:30:50
